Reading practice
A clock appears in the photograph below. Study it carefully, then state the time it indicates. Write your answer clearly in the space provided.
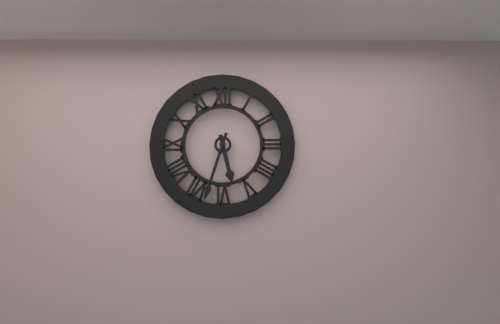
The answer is 5:33
